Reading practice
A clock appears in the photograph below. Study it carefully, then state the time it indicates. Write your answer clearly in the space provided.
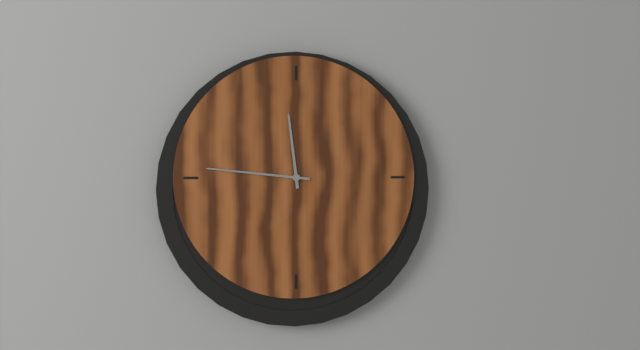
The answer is 11:46
